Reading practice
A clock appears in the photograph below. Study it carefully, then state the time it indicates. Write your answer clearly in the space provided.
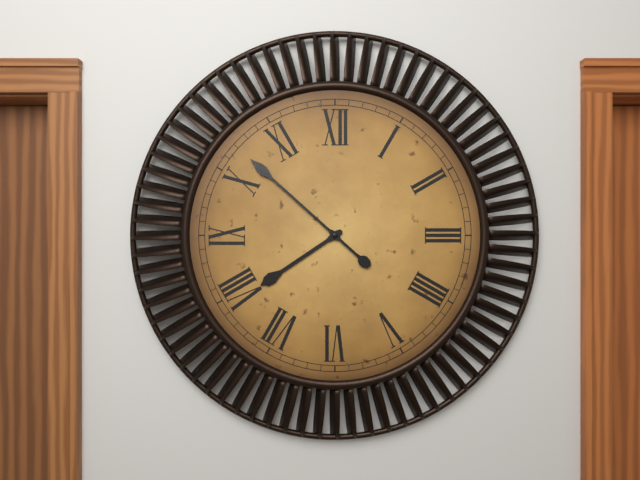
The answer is 7:52
